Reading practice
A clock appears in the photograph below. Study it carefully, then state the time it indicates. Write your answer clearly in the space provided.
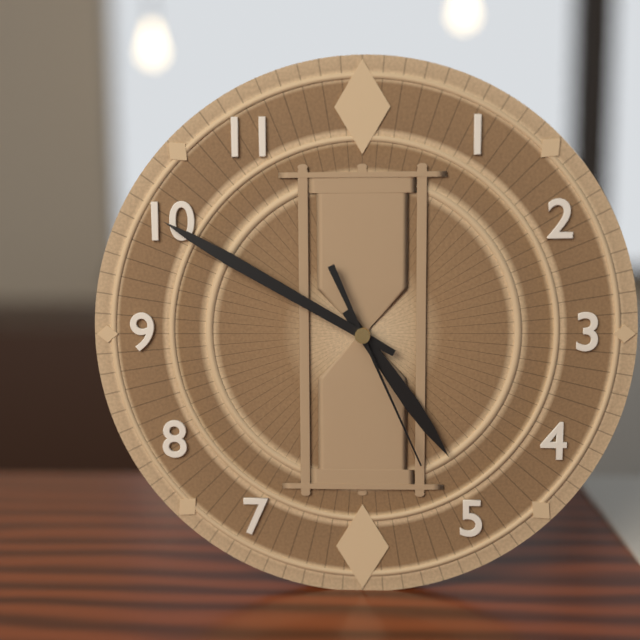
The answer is 4:50:26
